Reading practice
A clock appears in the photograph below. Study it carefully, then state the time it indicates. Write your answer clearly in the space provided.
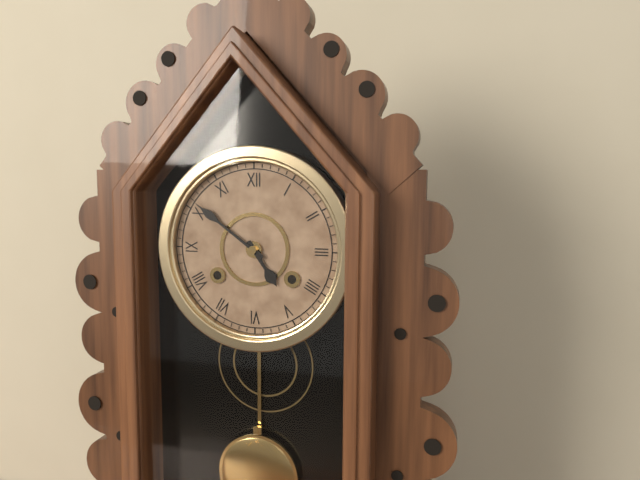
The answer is 4:51
